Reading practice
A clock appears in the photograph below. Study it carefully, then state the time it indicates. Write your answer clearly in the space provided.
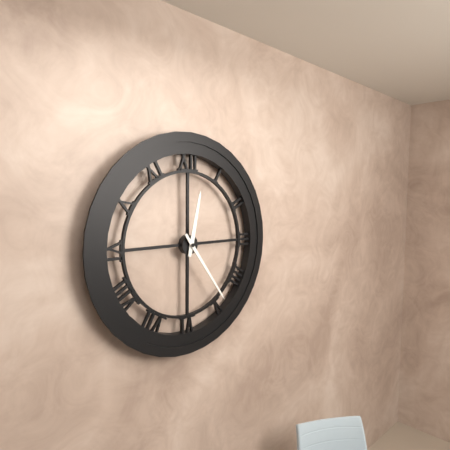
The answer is 12:24
